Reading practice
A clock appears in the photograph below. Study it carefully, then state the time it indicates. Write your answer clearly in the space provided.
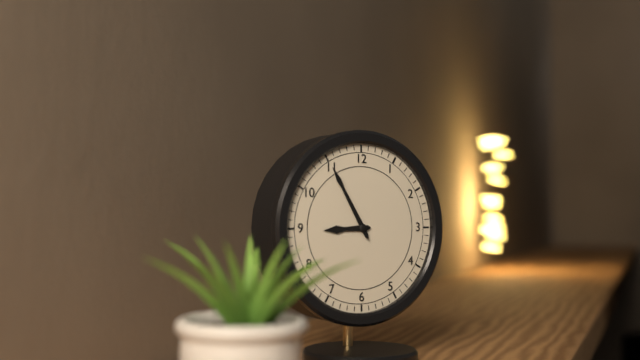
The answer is 8:55
